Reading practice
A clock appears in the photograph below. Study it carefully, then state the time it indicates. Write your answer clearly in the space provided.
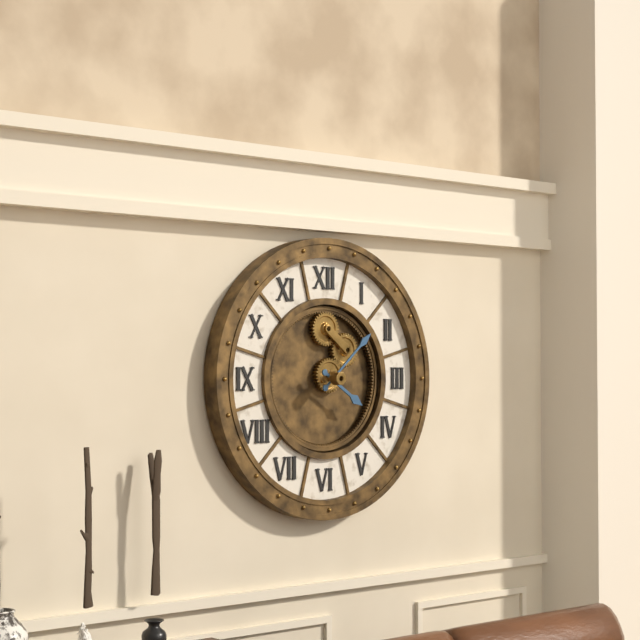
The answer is 4:08
